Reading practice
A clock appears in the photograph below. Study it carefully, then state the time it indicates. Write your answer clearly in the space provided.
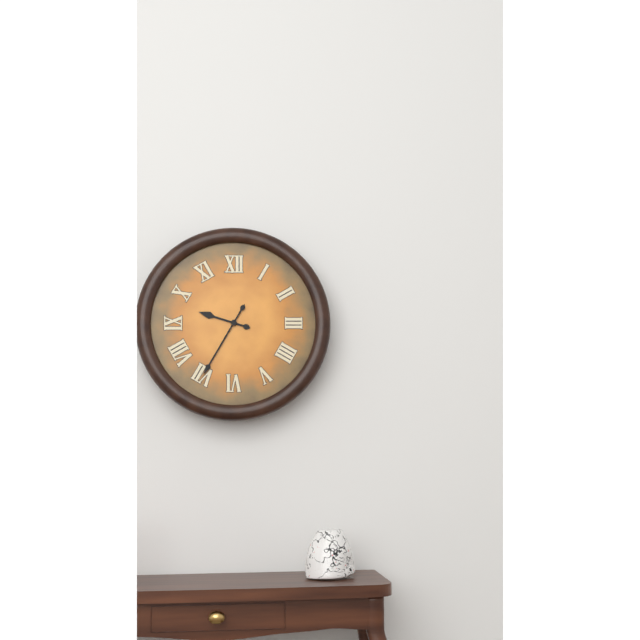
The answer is 9:35
